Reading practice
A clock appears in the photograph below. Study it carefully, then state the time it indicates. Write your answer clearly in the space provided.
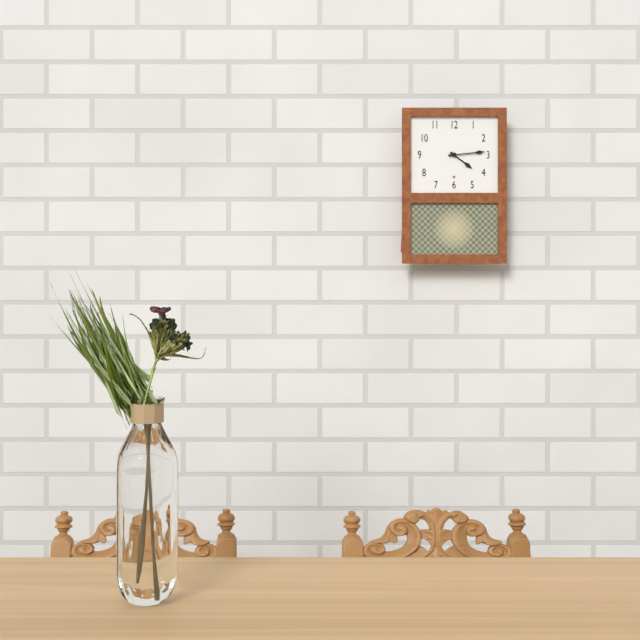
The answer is 4:14
